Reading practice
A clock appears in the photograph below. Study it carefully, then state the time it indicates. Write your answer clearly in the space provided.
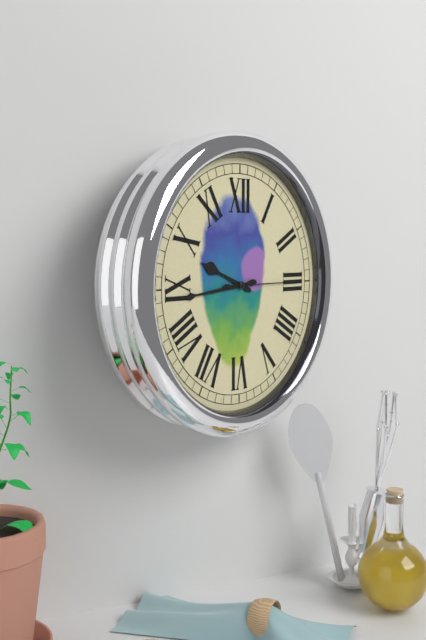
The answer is 9:44:15
